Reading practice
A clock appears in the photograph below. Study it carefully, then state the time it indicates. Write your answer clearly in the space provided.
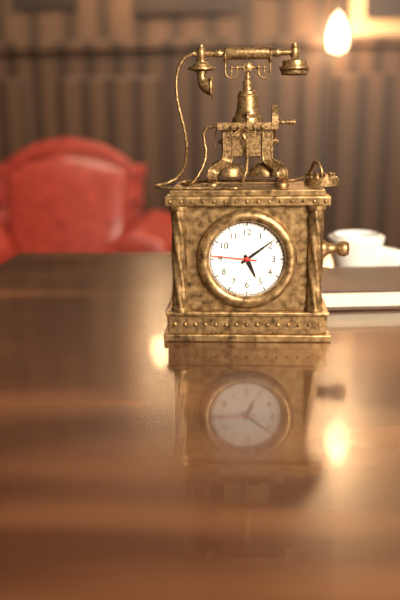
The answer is 5:09
